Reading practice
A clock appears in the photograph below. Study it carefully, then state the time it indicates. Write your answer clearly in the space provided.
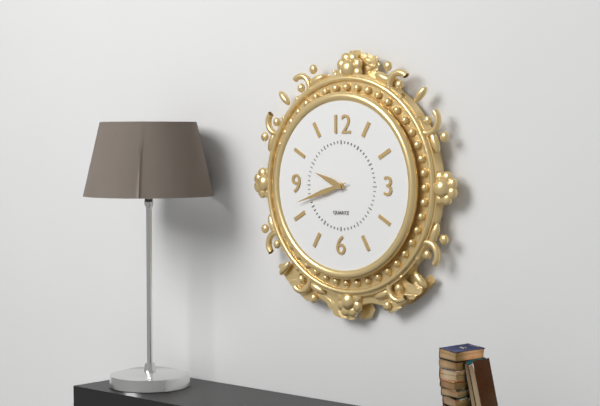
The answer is 9:42
